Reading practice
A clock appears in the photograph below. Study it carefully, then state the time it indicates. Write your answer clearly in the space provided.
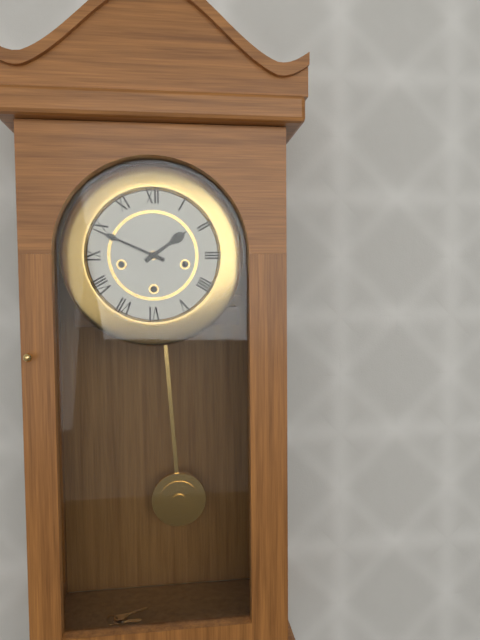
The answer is 1:49
